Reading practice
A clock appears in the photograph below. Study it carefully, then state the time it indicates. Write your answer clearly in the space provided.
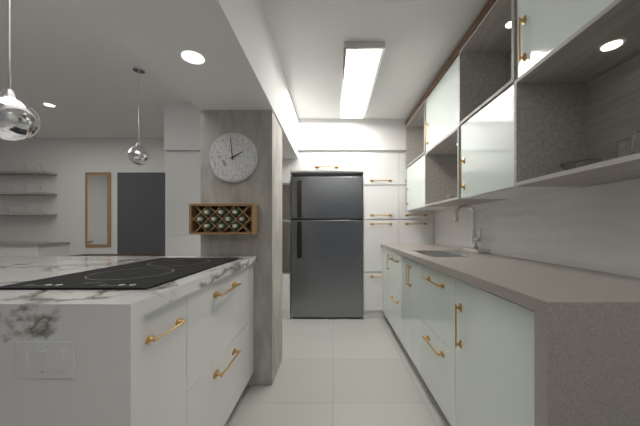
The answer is 1:59
